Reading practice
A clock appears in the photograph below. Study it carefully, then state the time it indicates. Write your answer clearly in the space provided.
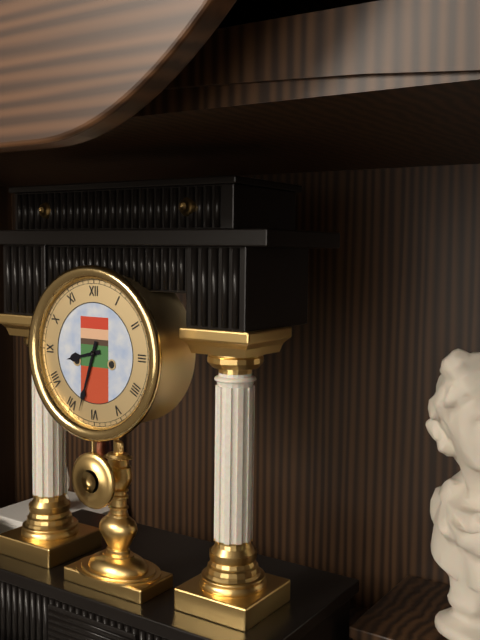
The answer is 8:33
